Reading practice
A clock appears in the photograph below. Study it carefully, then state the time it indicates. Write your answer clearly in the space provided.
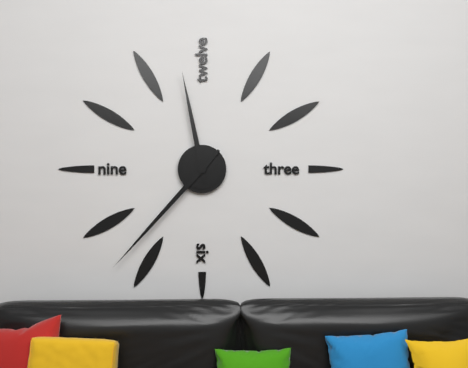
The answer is 11:37
